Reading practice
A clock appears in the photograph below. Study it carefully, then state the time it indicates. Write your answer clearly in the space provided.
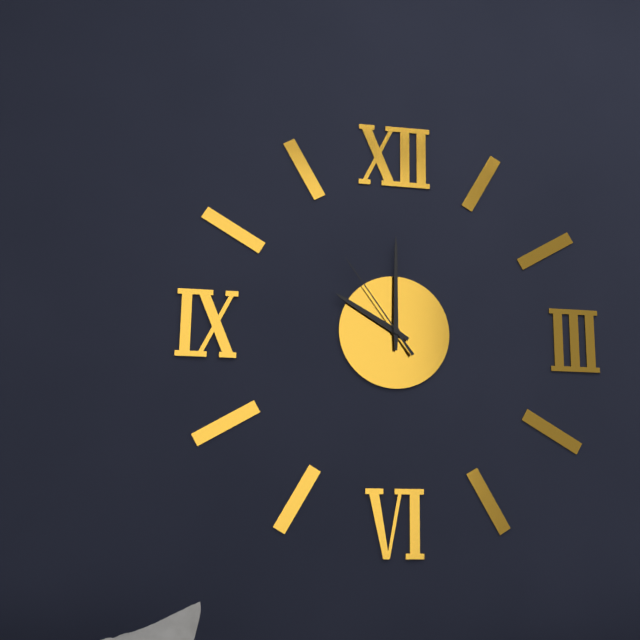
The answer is 10:00:54
